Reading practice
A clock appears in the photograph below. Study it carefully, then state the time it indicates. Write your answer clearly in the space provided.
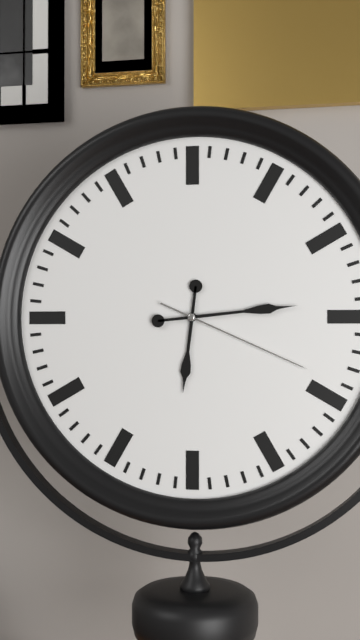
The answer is 6:14:19
